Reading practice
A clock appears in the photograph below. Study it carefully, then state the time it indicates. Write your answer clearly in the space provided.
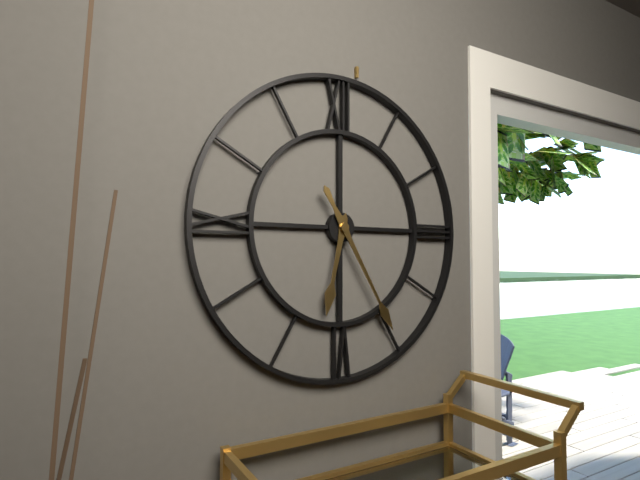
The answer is 6:25
